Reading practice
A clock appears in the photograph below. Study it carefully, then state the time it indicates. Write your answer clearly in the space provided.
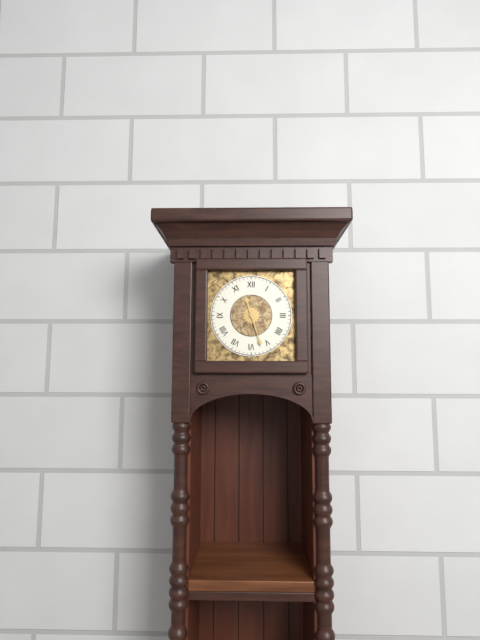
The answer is 11:27
